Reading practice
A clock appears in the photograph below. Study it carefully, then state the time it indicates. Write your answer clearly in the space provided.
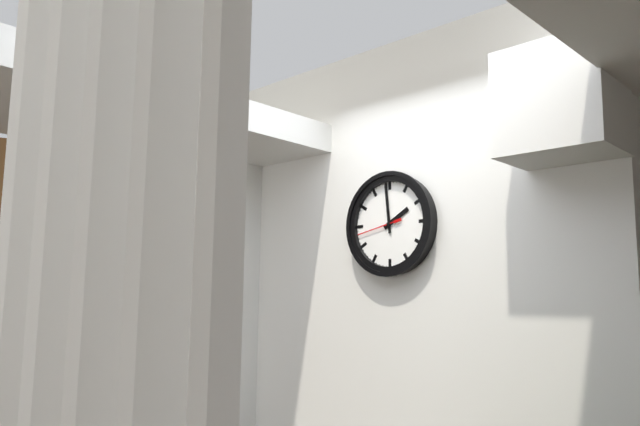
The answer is 1:59
